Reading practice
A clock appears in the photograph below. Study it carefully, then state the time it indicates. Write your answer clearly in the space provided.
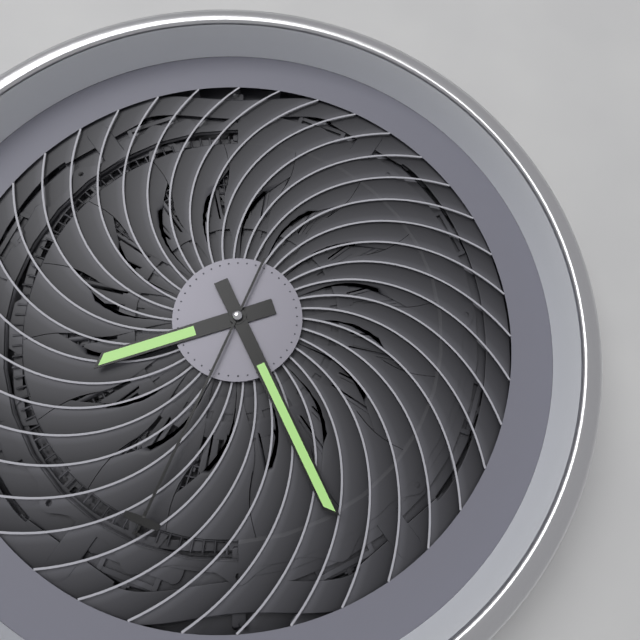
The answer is 8:26:34
